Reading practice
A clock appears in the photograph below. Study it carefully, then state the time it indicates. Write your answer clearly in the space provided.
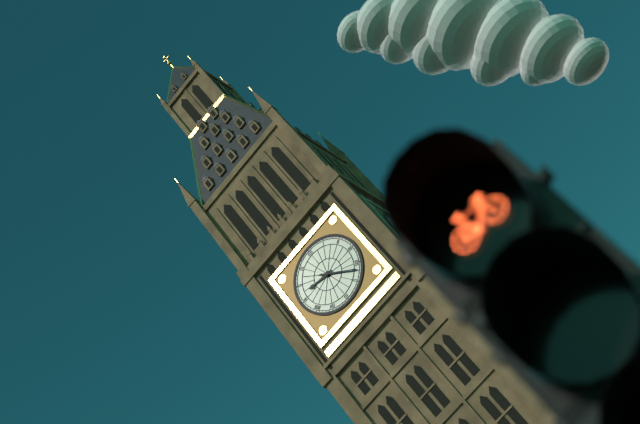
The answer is 9:22
